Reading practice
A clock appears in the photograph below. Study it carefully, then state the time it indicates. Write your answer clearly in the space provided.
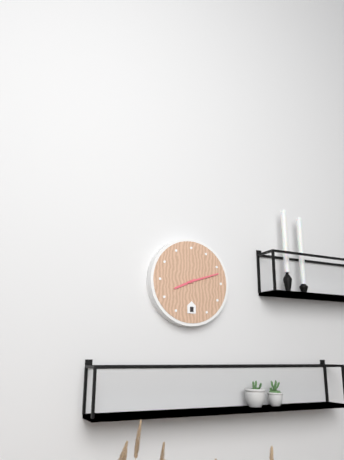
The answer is 8:12
